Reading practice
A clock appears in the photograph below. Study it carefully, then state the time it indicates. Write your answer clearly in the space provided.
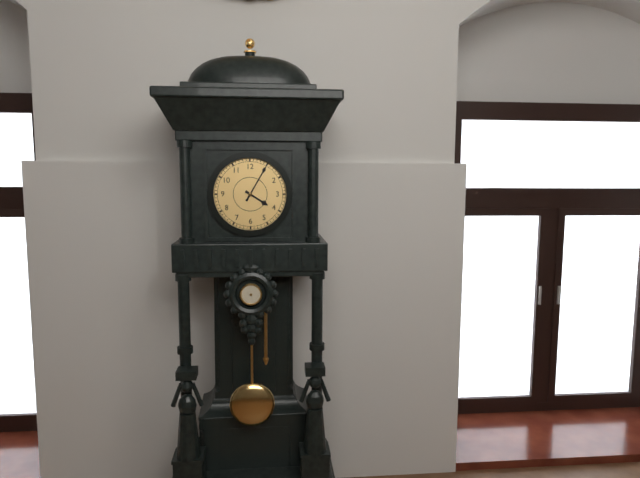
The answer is 4:05
